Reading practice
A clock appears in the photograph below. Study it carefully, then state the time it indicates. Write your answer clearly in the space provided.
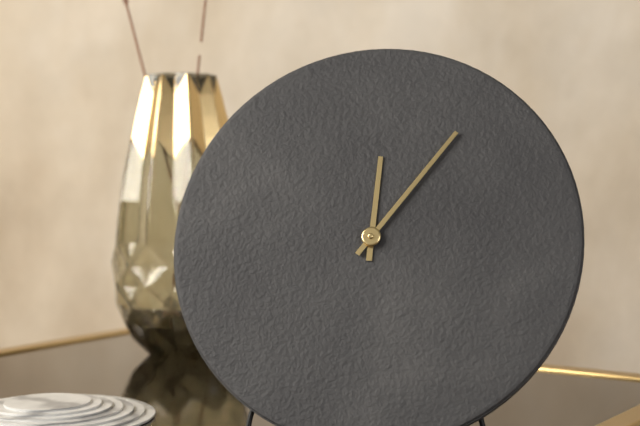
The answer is 12:06
